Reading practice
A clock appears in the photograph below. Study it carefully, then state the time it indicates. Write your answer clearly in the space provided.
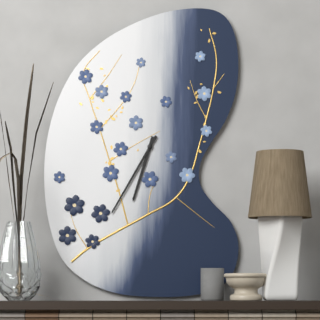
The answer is 6:35
